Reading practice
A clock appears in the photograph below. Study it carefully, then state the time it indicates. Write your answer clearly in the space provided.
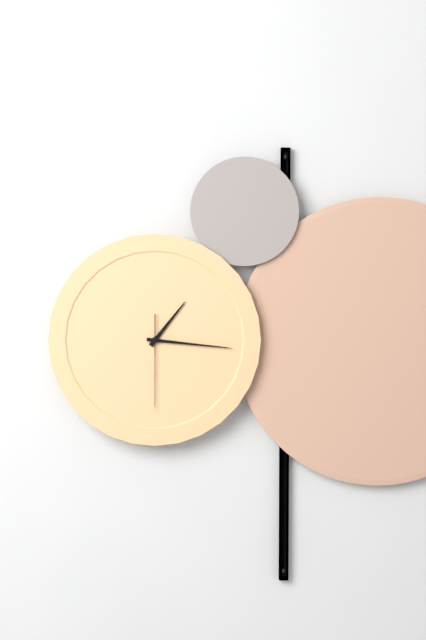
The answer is 1:16:30
